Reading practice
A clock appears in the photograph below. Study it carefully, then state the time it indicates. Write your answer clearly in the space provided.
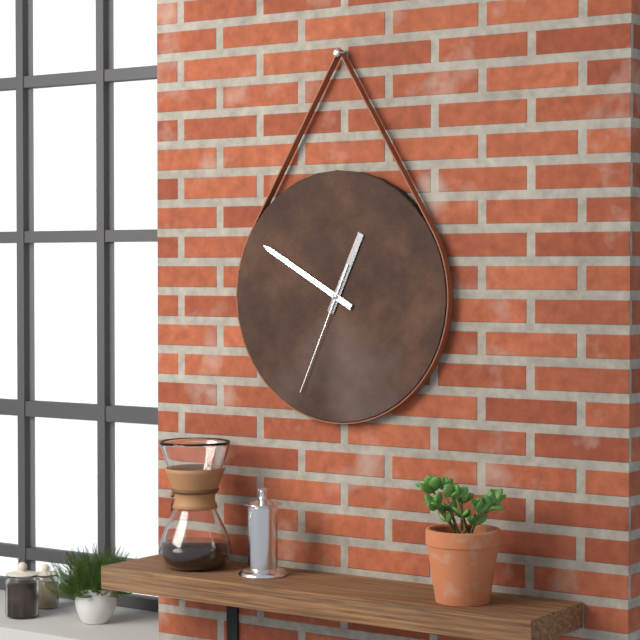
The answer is 12:50:34
